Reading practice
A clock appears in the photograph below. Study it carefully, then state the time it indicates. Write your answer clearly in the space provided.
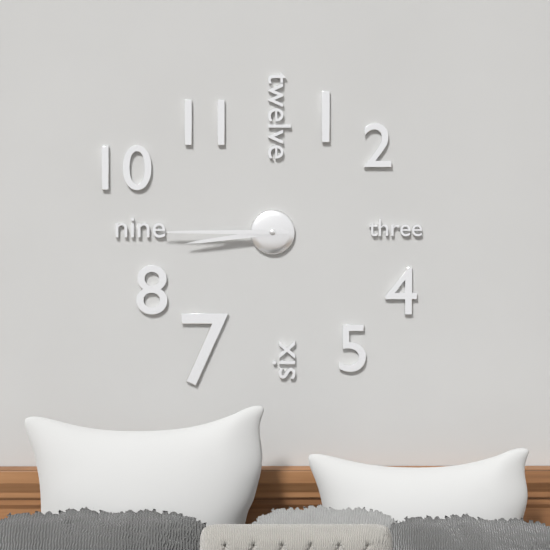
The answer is 8:45
